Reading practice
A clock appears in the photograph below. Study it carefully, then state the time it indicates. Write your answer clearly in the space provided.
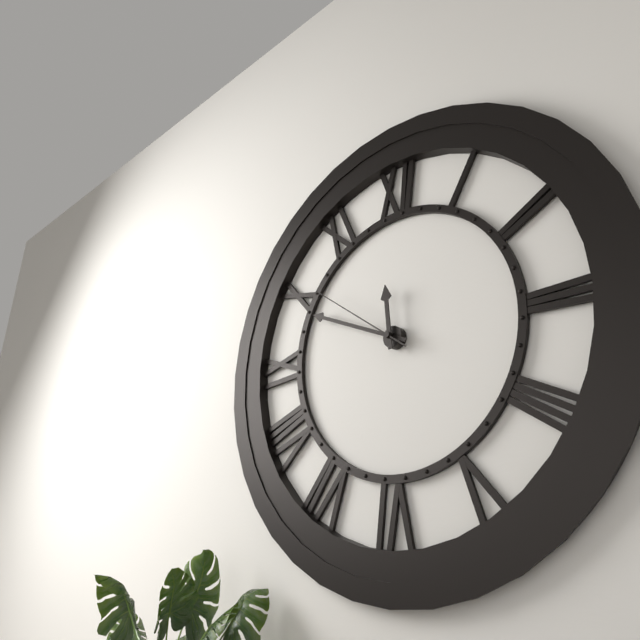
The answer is 11:49:51
